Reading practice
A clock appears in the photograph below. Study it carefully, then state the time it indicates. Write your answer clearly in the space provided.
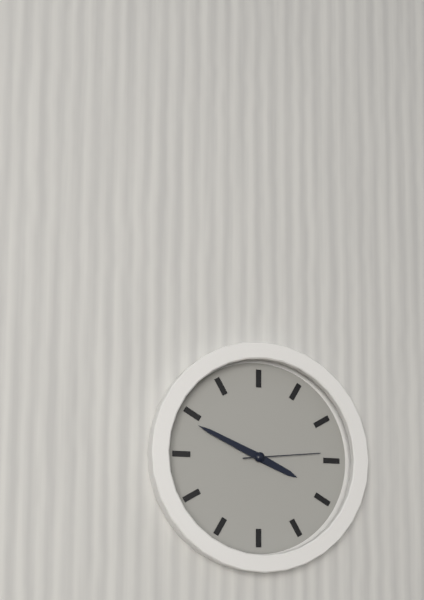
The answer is 3:49:14
